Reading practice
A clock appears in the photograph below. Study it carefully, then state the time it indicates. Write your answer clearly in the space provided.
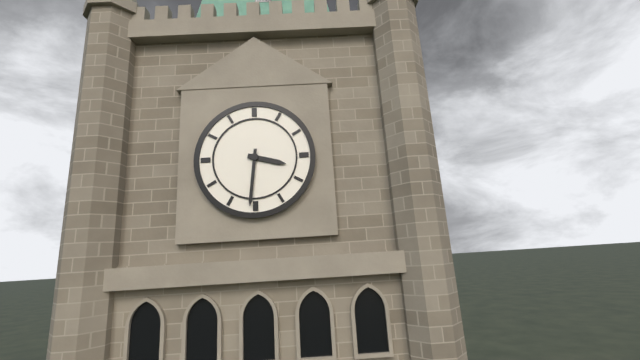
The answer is 3:31
